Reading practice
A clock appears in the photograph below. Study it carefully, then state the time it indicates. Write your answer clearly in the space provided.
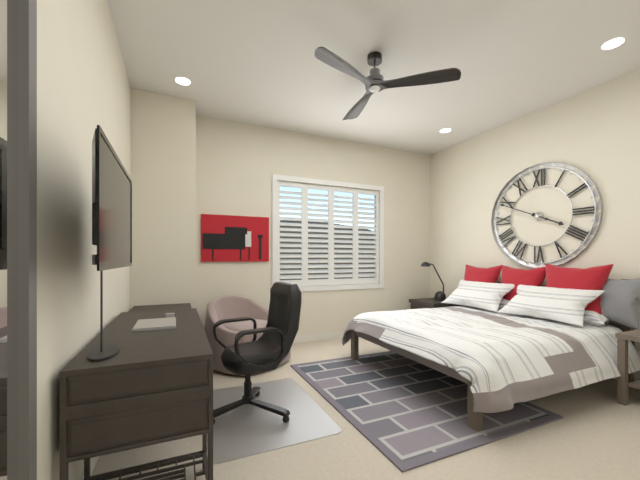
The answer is 3:49
